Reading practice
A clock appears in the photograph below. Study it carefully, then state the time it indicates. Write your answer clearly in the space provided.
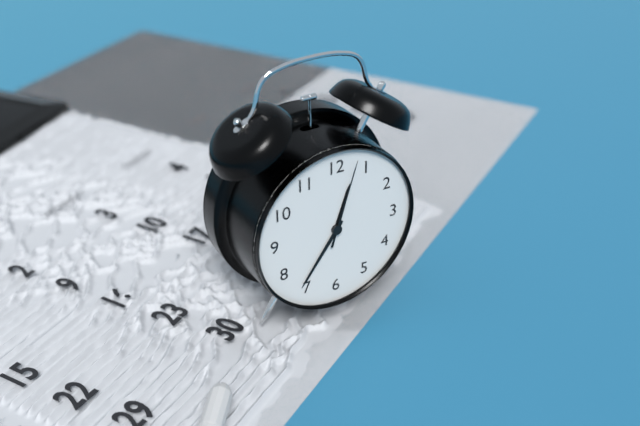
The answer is 12:36:03
